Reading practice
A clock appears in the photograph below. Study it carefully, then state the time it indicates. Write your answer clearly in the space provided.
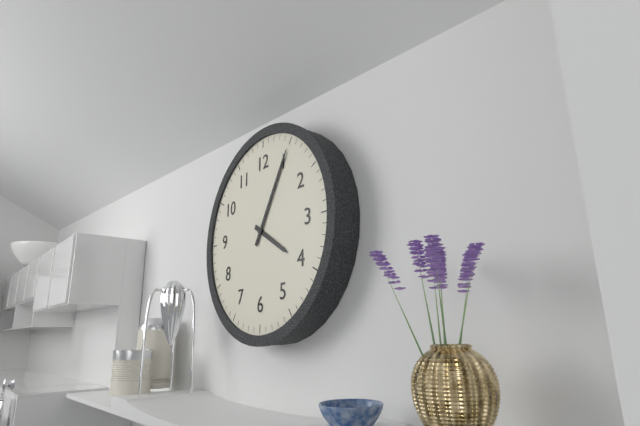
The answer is 4:05
